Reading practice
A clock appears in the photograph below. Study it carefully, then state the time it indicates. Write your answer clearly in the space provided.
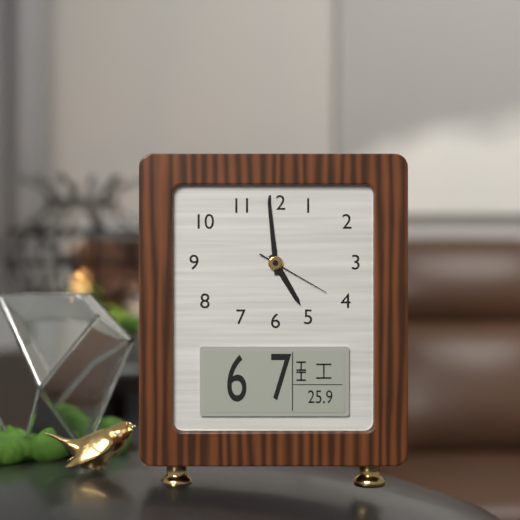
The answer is 4:59:20
